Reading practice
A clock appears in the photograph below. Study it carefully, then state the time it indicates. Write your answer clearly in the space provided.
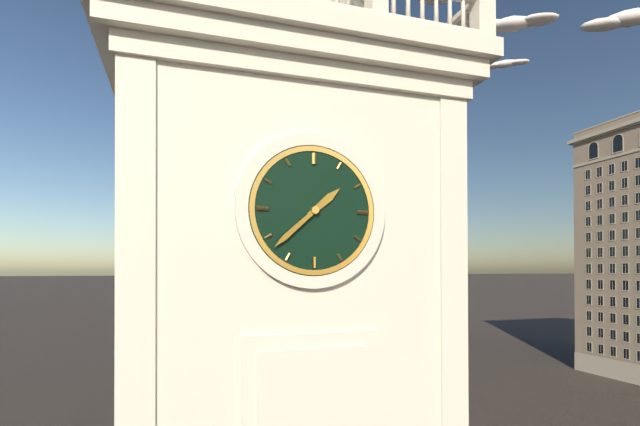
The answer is 1:38
